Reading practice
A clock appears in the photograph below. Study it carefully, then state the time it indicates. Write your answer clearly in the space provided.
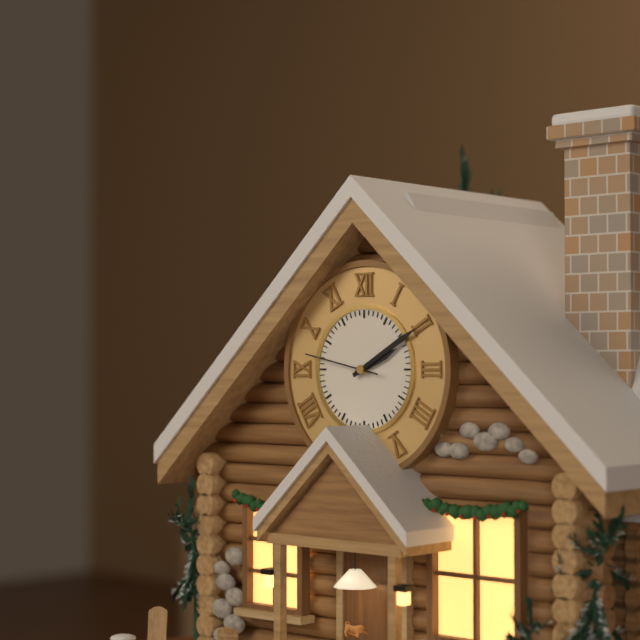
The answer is 2:10:47
